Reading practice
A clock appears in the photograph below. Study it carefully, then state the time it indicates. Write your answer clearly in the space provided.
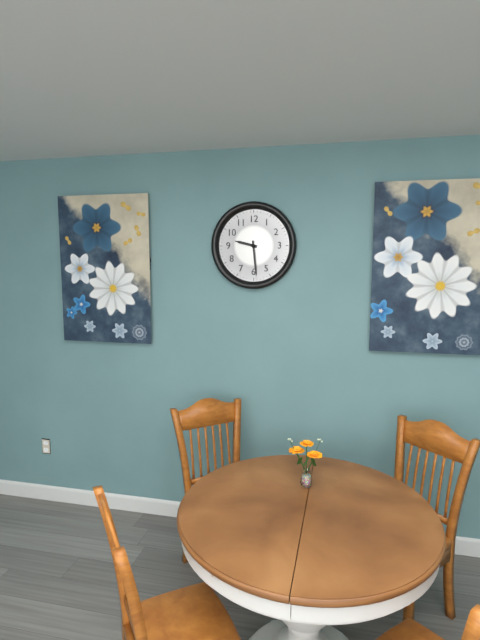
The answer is 9:29
